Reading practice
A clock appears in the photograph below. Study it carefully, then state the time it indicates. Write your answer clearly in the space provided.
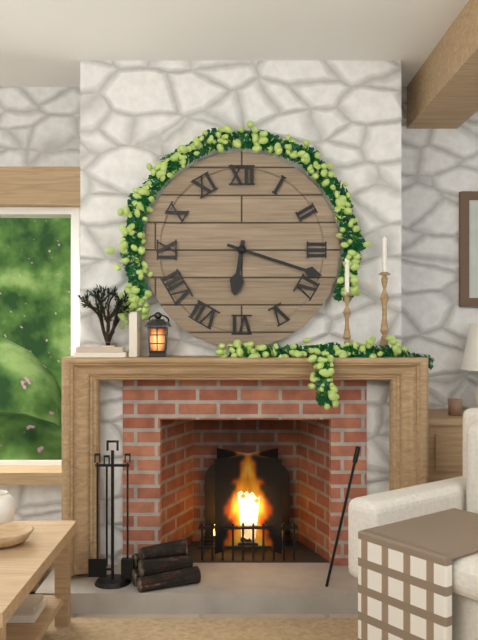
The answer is 6:18
